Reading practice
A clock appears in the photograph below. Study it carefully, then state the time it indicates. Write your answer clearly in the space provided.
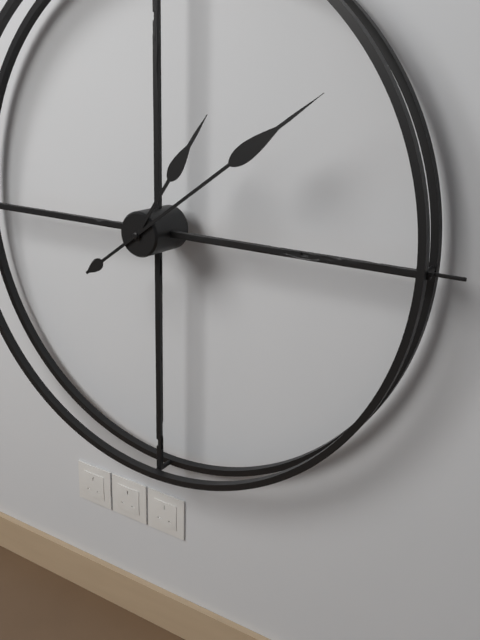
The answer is 1:09
